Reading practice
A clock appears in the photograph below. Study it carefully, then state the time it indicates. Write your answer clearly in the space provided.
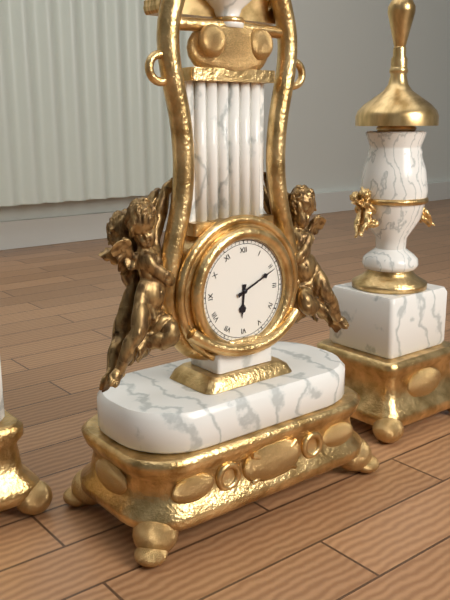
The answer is 6:11
